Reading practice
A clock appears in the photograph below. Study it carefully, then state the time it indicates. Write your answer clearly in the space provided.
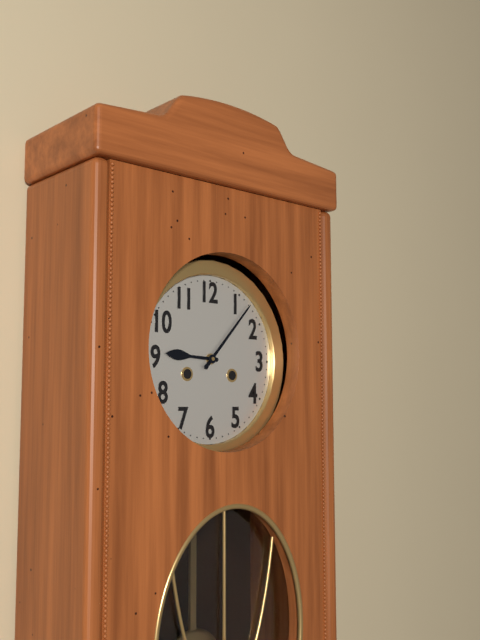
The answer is 9:07
